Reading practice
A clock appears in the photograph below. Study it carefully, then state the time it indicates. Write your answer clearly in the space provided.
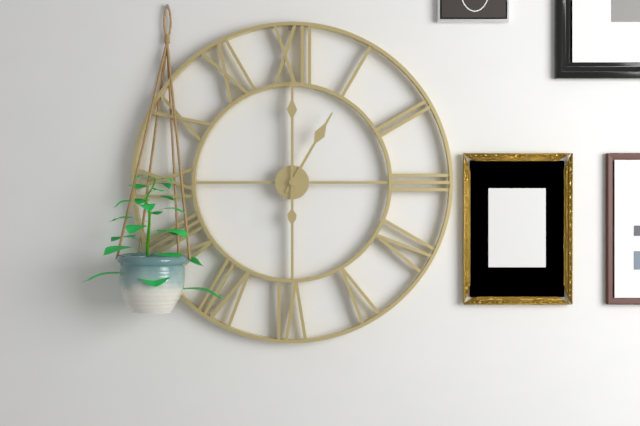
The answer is 1:00
